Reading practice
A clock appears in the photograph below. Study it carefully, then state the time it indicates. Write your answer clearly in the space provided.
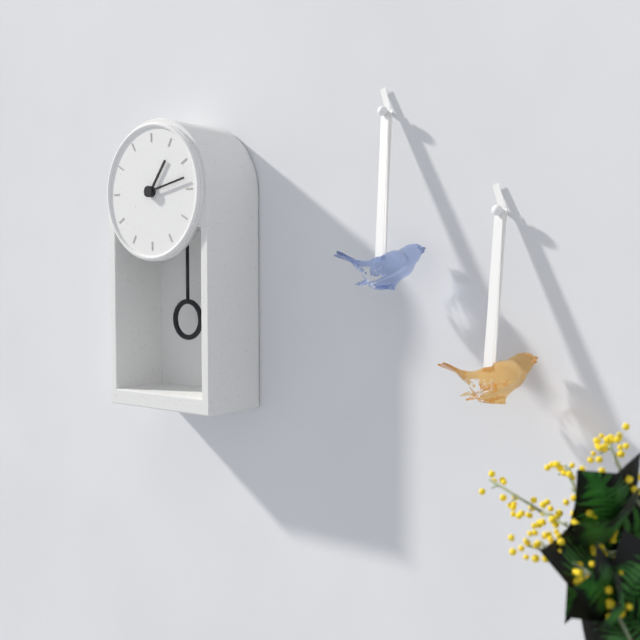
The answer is 1:13
